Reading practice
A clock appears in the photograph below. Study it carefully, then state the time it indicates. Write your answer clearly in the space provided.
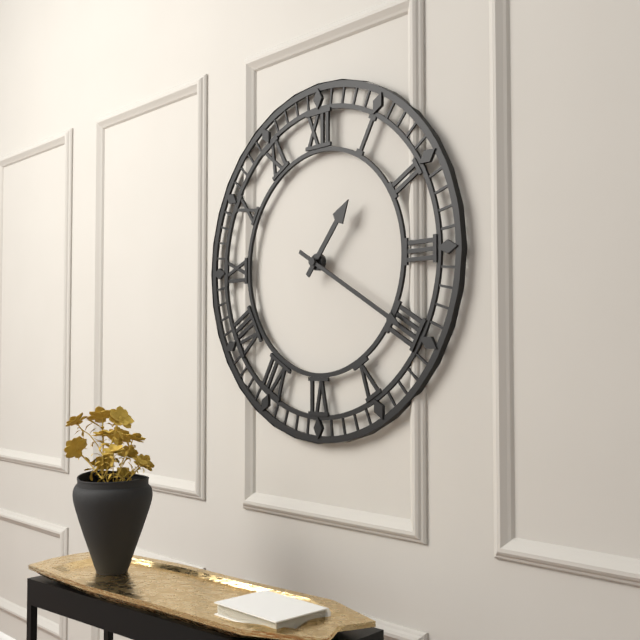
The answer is 1:20
